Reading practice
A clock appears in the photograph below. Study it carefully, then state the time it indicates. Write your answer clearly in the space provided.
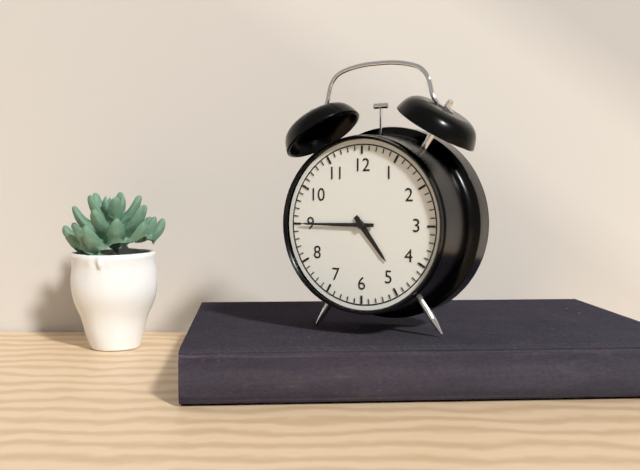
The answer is 4:45
